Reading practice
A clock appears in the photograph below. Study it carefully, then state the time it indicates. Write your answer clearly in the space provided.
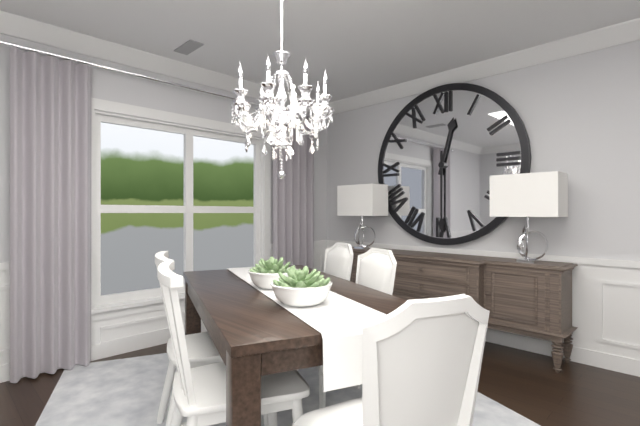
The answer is 12:30
